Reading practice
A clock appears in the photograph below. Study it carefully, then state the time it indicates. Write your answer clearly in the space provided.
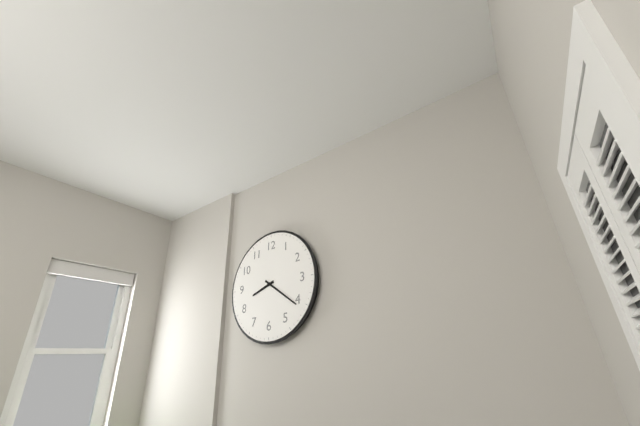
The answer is 8:21
